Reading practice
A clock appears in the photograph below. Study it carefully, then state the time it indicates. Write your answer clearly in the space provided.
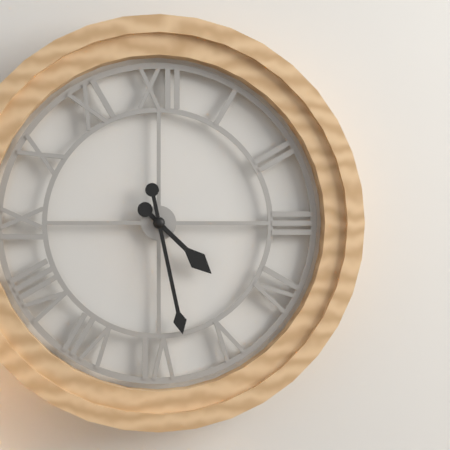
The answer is 4:28
